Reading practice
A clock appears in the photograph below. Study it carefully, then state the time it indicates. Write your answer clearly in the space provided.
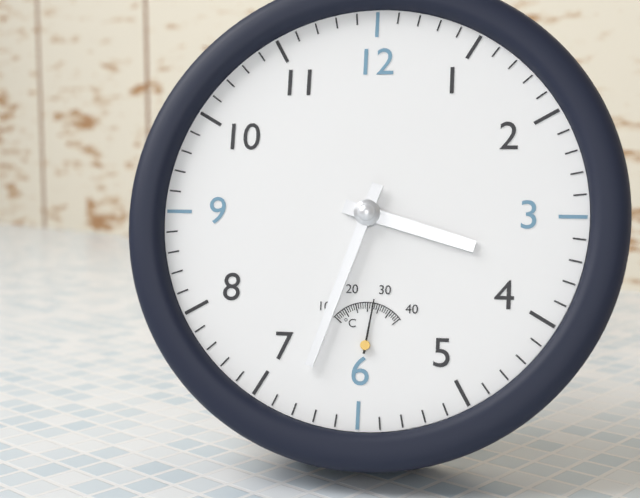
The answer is 3:33
